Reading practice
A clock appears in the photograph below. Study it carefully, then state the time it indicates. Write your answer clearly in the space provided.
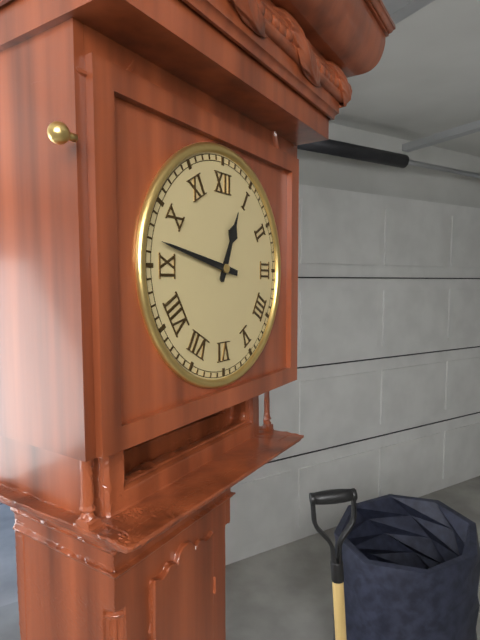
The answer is 12:47
